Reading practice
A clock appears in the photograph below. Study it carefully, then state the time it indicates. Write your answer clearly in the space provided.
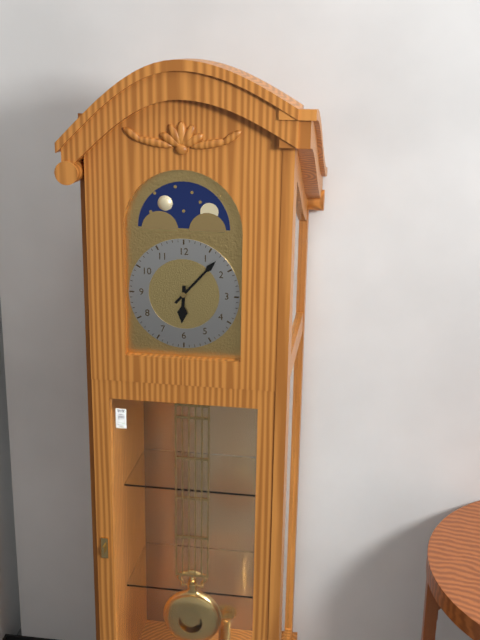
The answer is 6:07
